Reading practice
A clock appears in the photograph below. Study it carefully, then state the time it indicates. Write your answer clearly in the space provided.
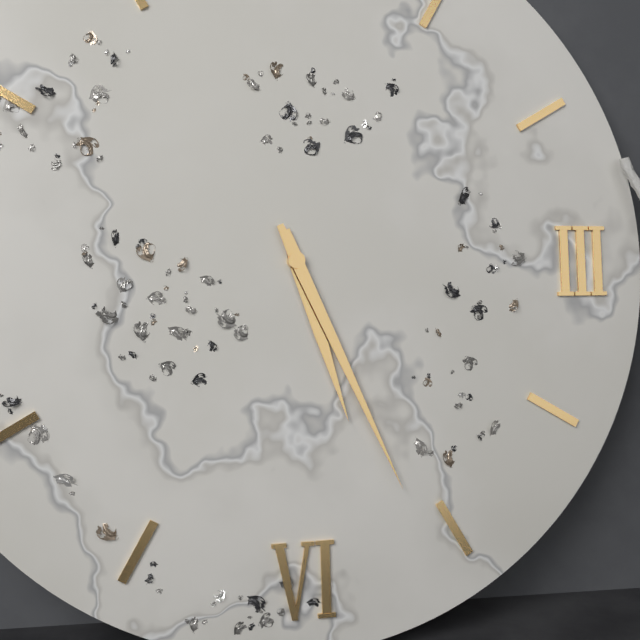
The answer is 5:26
